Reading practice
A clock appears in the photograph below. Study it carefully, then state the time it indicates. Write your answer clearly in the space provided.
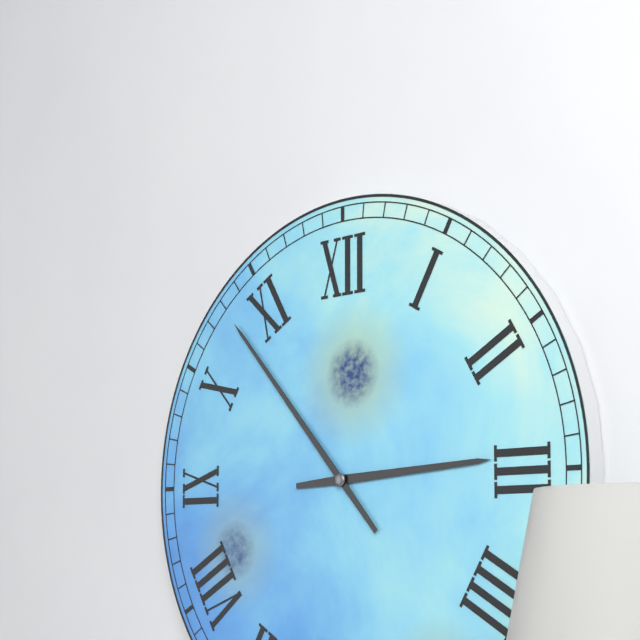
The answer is 2:53
